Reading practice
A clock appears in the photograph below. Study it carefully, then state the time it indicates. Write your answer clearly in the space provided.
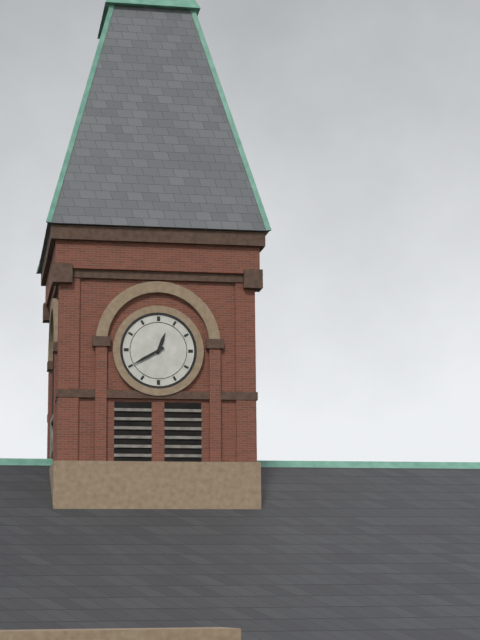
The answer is 12:40
